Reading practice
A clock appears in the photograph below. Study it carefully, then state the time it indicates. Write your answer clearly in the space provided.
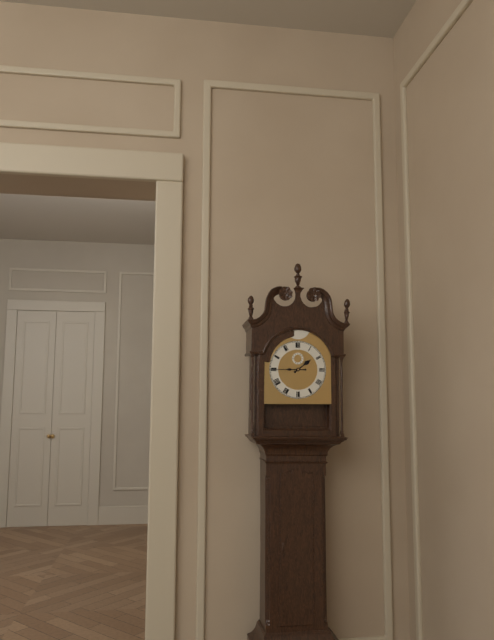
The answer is 1:45
